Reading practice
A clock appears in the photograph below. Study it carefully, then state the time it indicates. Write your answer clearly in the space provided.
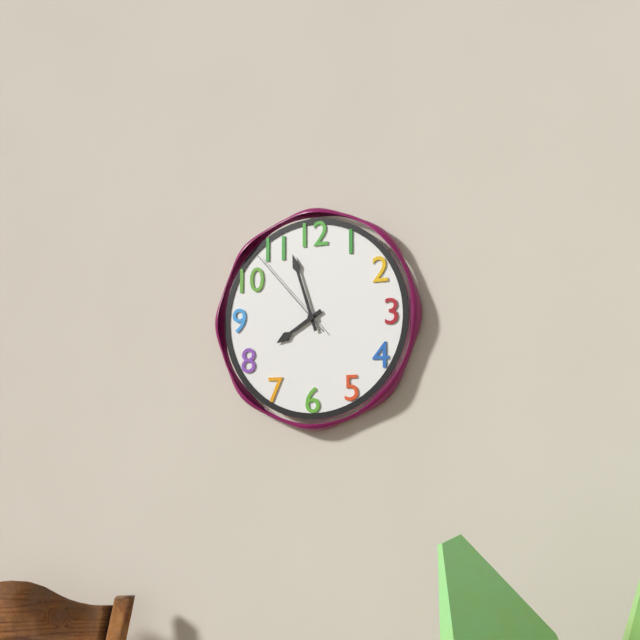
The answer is 7:57:53
